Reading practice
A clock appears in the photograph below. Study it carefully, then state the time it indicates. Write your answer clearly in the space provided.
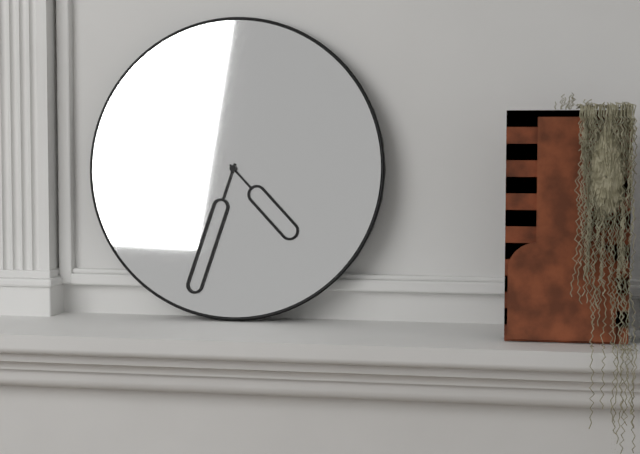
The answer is 4:33
